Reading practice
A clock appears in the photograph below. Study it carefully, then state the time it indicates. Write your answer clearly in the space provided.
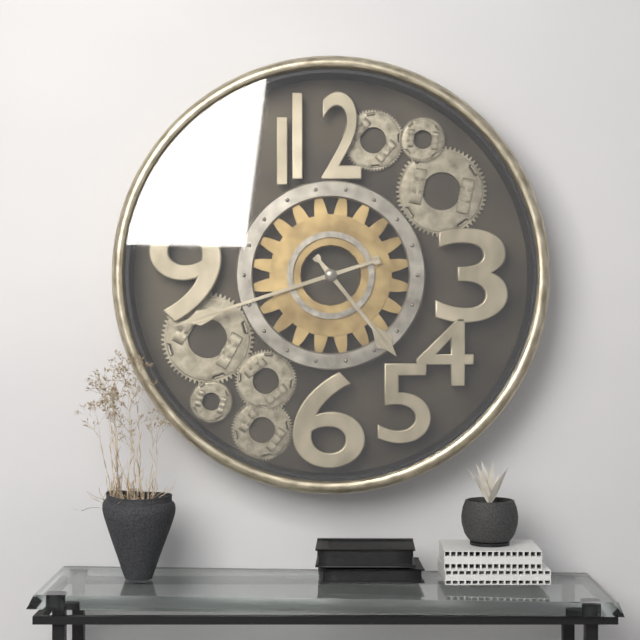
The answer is 4:42
